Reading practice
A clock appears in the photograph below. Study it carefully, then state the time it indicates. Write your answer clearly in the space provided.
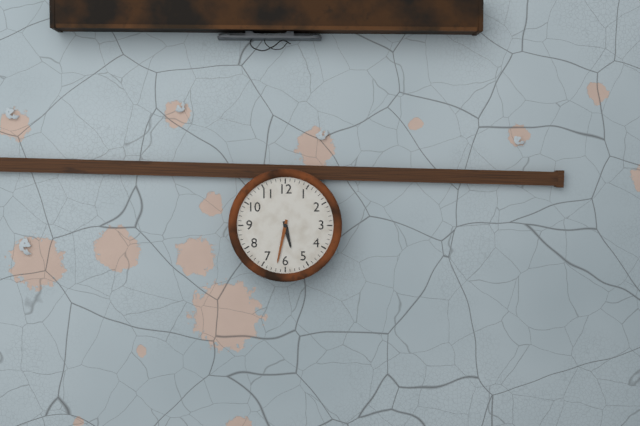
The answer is 5:32
